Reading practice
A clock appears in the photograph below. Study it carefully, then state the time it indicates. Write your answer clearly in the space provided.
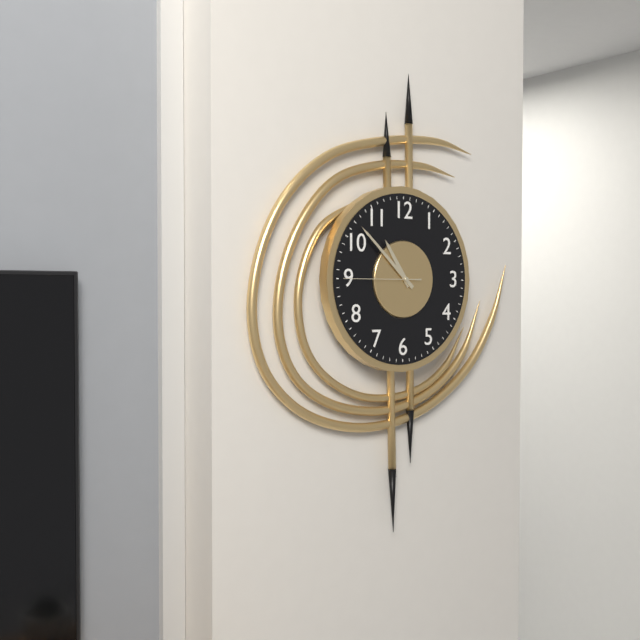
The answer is 10:52:45
